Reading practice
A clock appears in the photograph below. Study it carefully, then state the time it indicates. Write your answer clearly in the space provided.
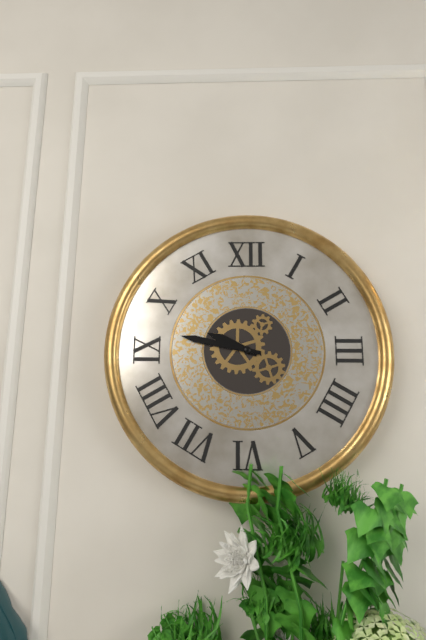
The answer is 9:47
